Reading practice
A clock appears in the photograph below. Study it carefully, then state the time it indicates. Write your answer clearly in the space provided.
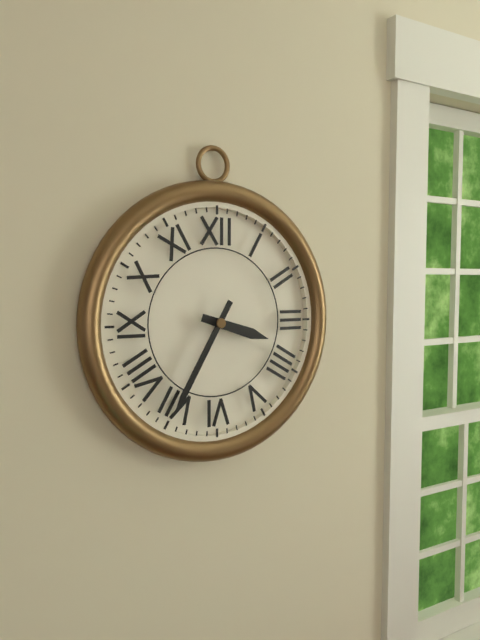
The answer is 3:35
